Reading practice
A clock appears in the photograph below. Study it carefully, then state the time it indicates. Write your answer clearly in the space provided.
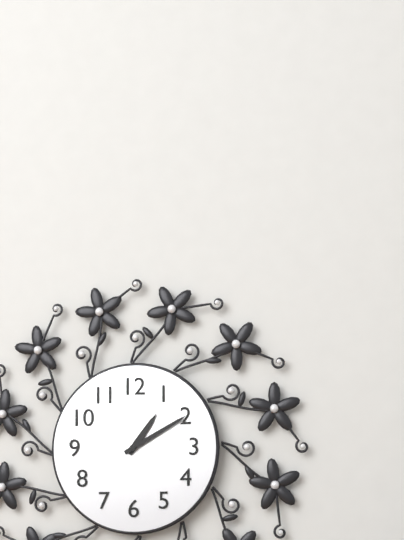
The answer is 1:10
